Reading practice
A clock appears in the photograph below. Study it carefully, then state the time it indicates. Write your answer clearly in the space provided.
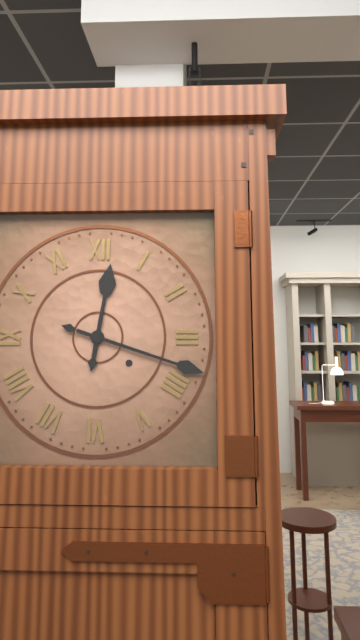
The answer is 12:18
